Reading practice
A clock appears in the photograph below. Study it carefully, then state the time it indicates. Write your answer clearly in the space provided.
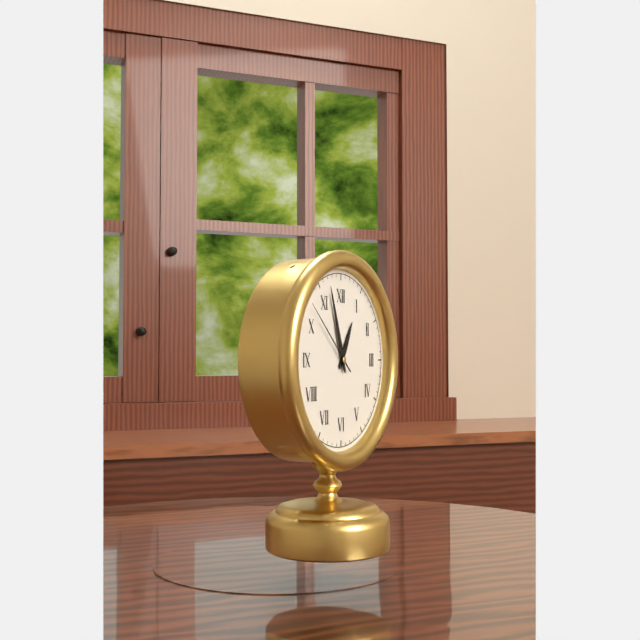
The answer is 12:57:52
